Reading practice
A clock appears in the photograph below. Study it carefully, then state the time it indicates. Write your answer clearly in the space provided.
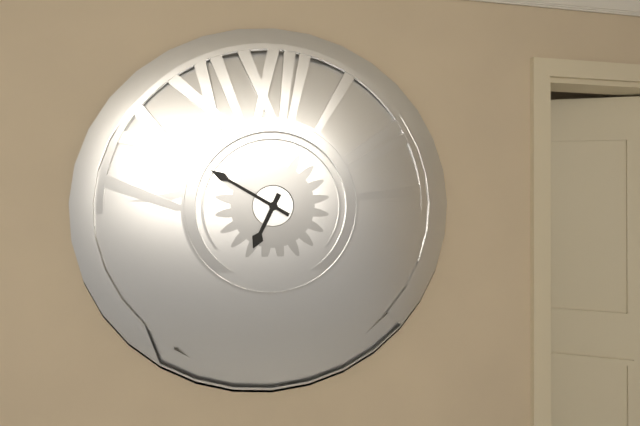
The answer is 6:50
